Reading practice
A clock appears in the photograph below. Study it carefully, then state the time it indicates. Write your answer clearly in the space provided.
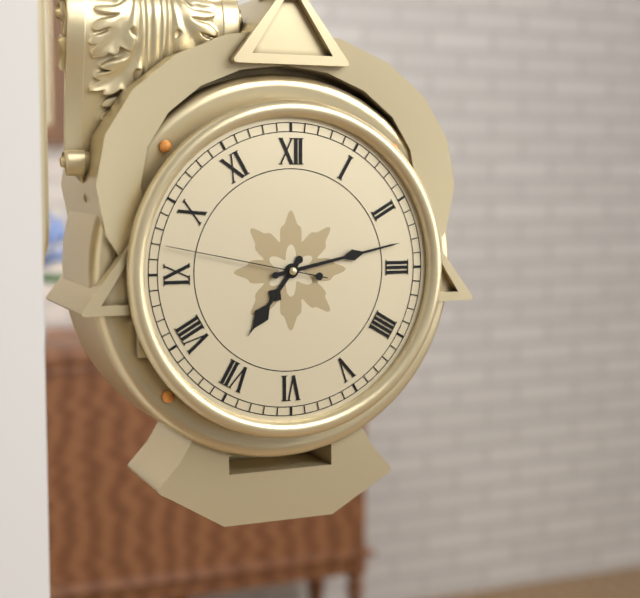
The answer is 7:13:47
